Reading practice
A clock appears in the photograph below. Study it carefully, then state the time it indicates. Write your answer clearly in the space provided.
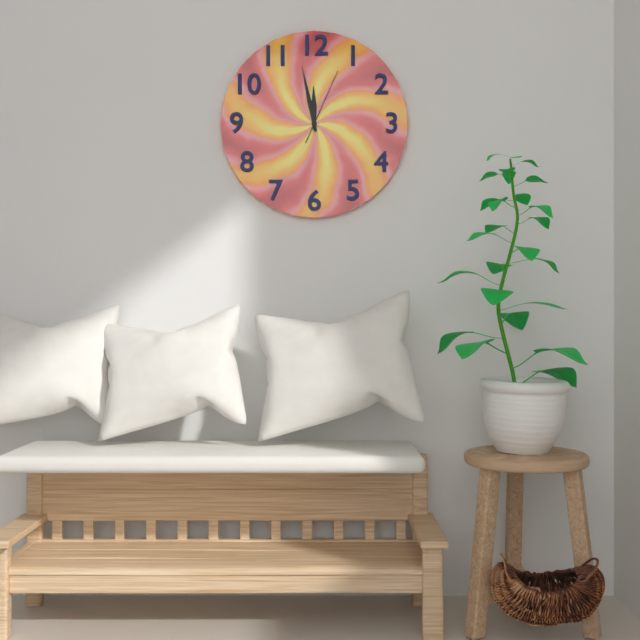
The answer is 11:58:04
